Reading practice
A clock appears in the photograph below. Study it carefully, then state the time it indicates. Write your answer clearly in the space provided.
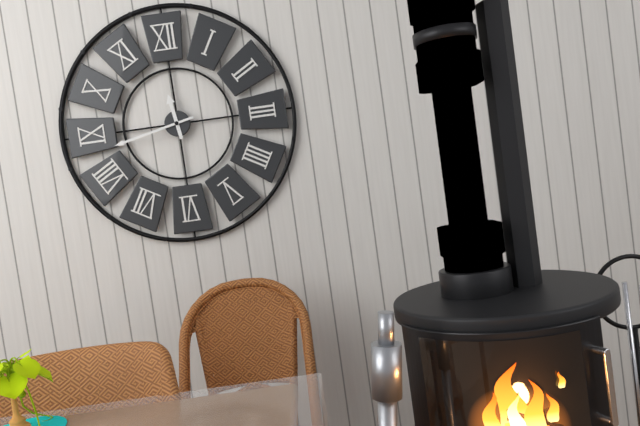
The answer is 11:43
